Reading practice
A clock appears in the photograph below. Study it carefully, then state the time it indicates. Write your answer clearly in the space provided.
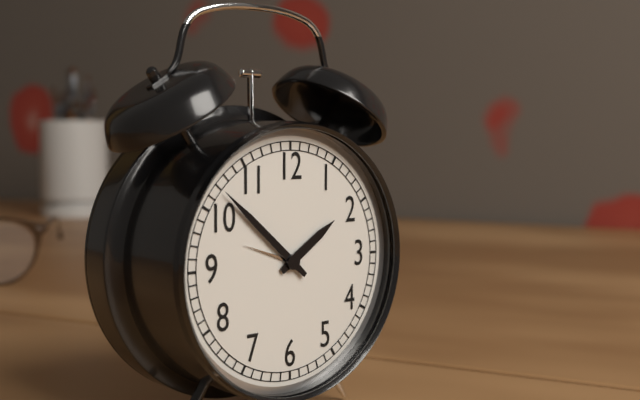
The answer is 1:52
